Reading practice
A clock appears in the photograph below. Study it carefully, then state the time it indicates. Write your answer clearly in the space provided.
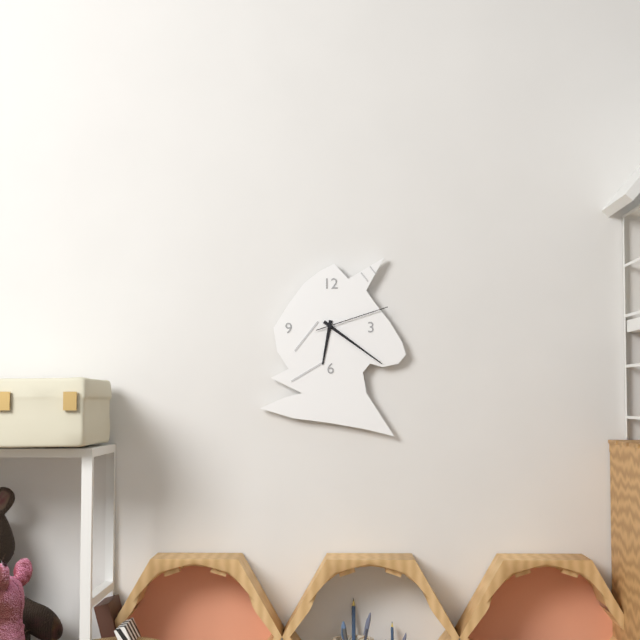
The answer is 6:21:12
